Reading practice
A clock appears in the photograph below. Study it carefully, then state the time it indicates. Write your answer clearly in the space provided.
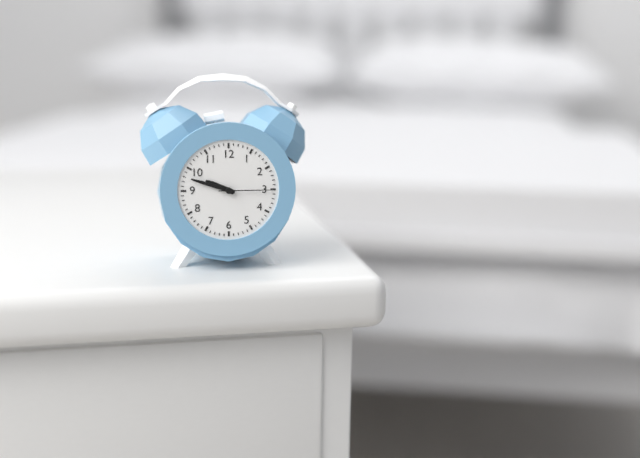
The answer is 9:48:15
